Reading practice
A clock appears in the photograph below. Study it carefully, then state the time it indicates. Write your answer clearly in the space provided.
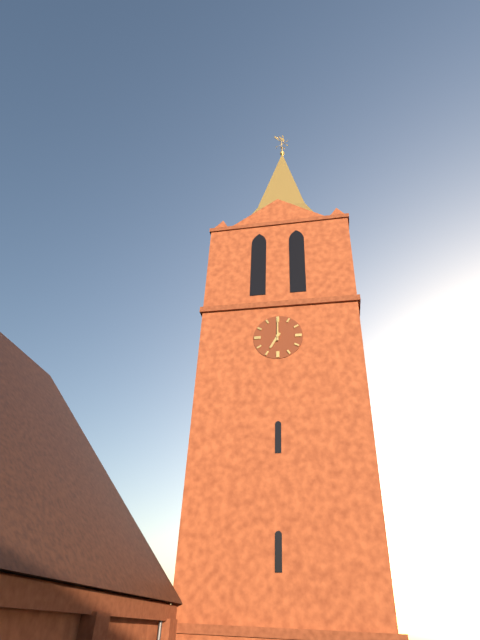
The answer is 7:00
